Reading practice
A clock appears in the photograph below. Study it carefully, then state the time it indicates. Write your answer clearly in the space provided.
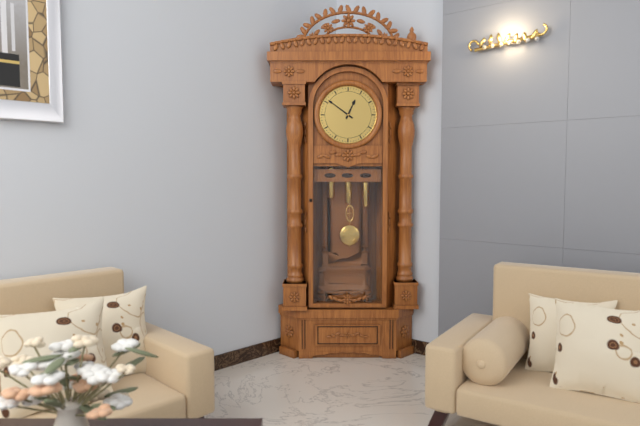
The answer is 12:51
